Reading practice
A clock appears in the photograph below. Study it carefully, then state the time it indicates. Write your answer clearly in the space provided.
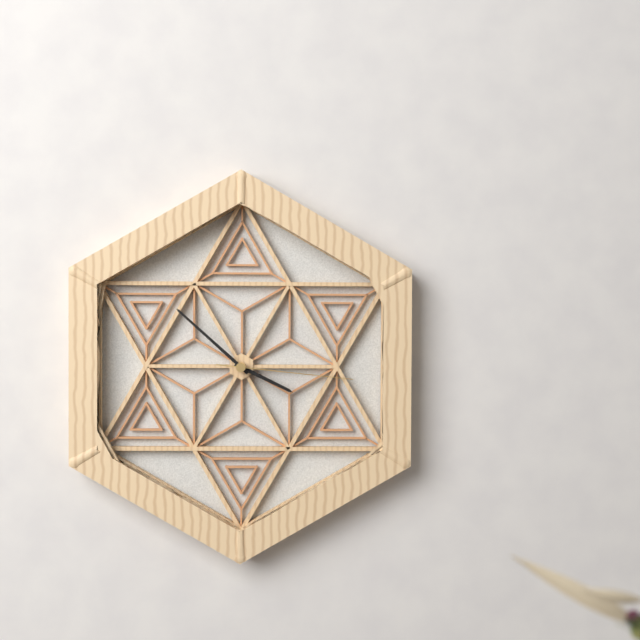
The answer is 3:52:16
